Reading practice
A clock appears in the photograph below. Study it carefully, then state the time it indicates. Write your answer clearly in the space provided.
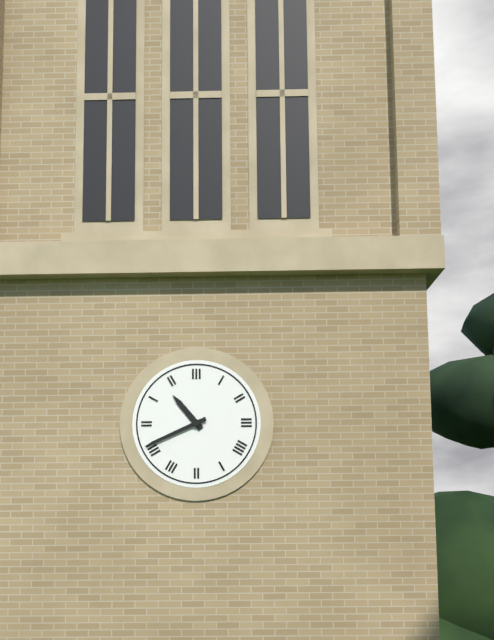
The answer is 10:41
